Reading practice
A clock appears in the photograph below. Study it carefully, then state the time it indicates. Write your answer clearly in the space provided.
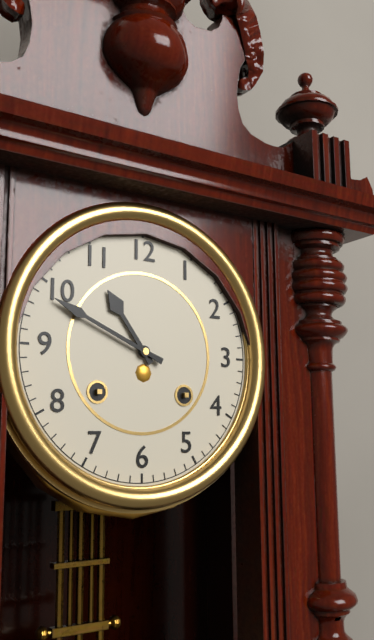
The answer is 10:49
